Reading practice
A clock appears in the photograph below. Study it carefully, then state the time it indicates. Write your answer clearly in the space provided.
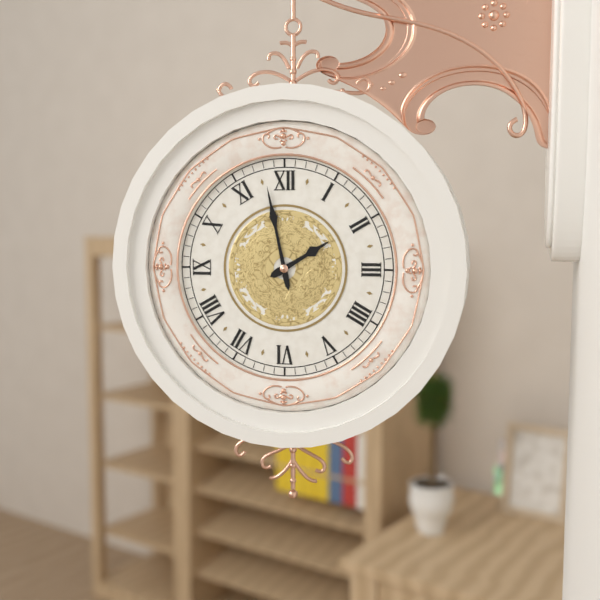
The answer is 1:58
